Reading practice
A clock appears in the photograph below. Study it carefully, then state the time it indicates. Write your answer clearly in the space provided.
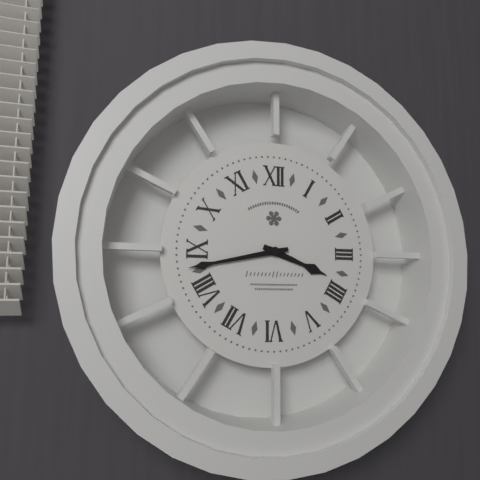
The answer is 3:43
